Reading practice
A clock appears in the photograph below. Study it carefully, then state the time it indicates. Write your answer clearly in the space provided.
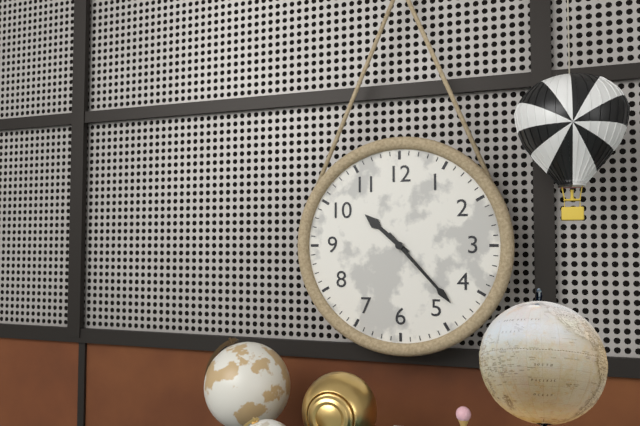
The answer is 10:23
